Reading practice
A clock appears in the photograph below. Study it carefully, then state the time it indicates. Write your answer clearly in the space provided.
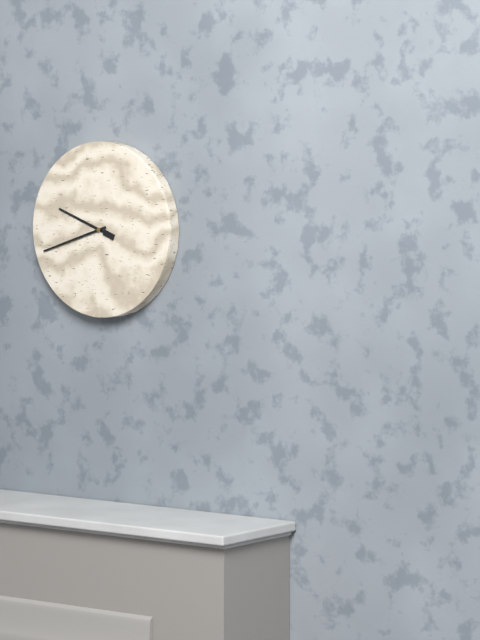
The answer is 9:42
